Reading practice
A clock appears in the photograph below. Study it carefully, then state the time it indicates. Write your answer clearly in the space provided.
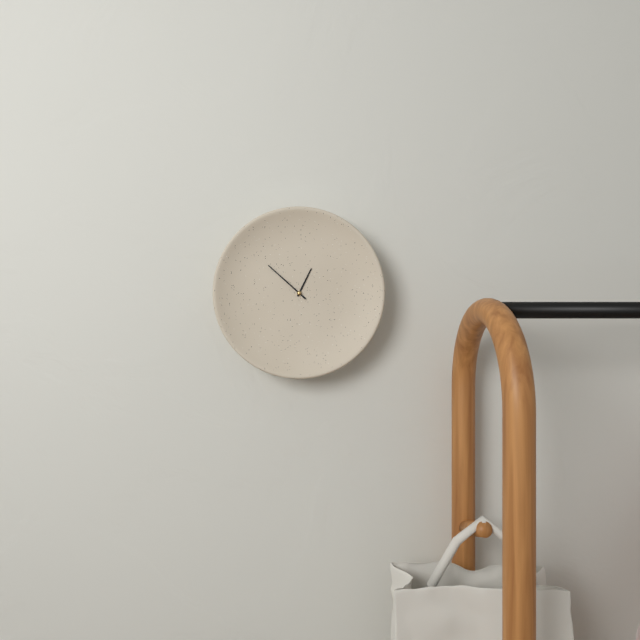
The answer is 12:52
